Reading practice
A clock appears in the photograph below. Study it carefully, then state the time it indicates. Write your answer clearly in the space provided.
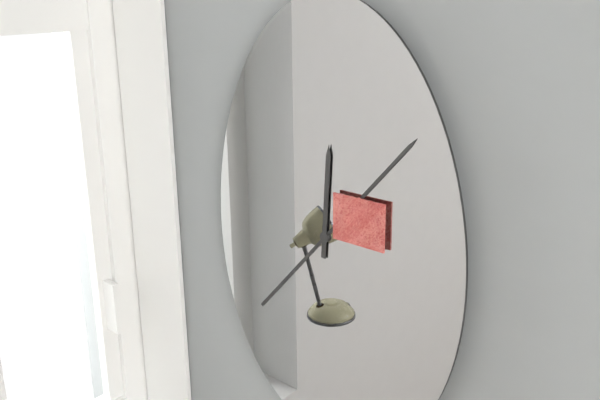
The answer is 12:07
